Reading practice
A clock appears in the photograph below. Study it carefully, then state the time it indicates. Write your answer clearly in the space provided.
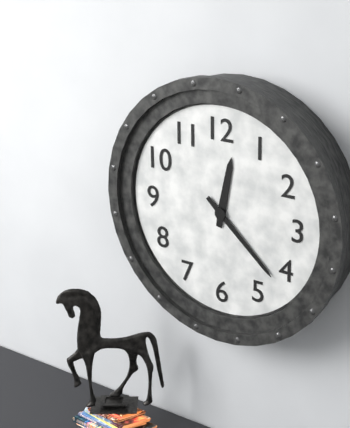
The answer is 12:22
